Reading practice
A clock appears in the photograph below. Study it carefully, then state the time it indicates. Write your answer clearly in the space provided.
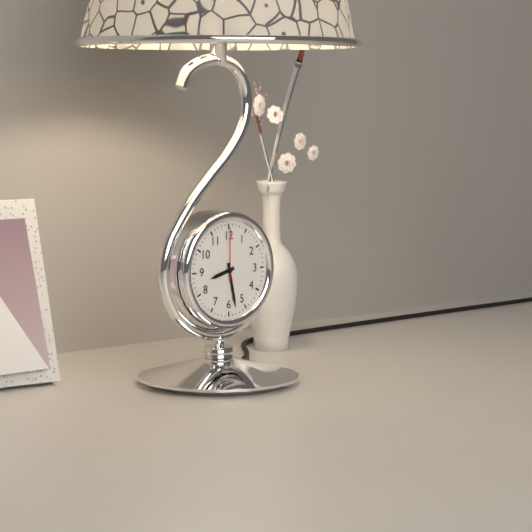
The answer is 8:28:00
